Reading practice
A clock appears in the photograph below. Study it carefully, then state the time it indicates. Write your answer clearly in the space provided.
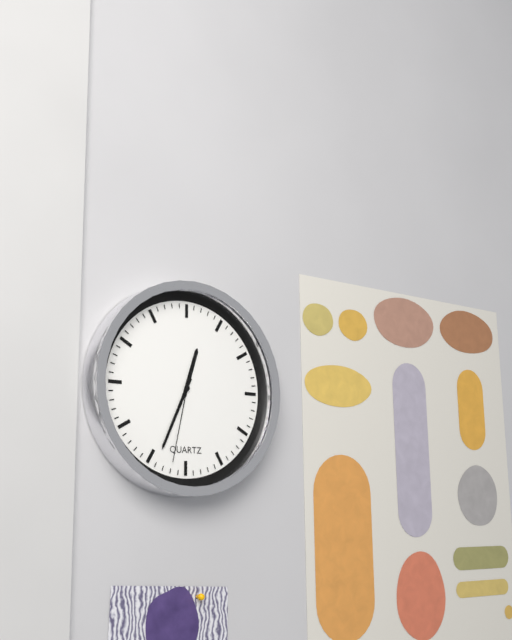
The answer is 12:34:32
